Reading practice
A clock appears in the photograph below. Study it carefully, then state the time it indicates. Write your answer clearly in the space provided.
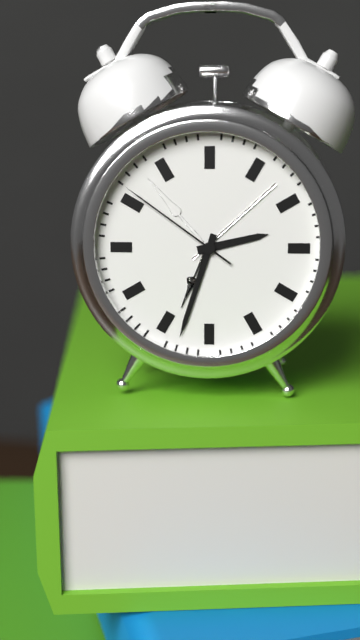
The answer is 2:33:51
